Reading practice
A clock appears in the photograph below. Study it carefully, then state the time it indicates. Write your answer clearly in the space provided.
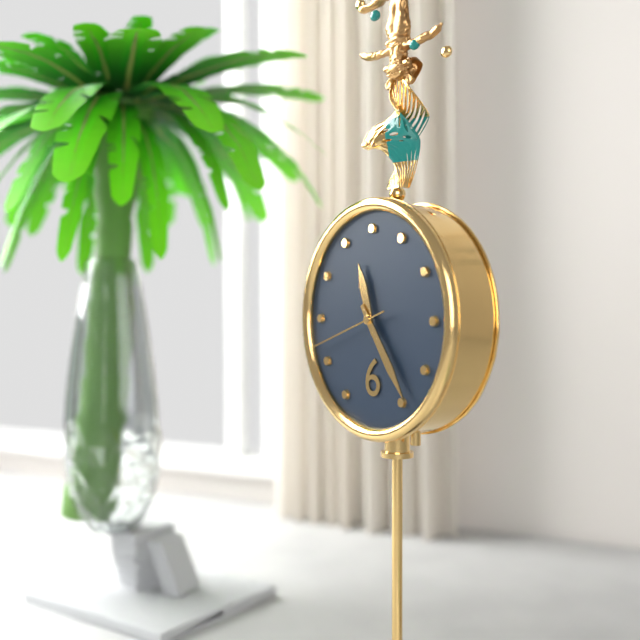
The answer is 11:24:42
